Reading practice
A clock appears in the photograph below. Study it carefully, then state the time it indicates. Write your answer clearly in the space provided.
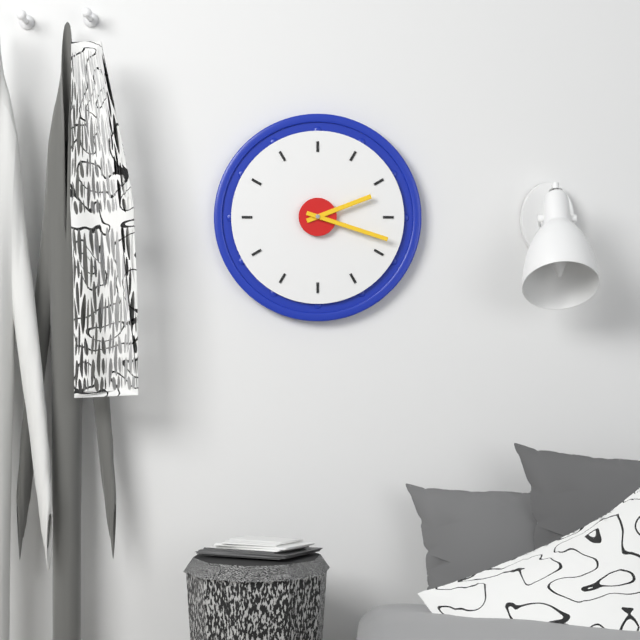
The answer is 2:18
